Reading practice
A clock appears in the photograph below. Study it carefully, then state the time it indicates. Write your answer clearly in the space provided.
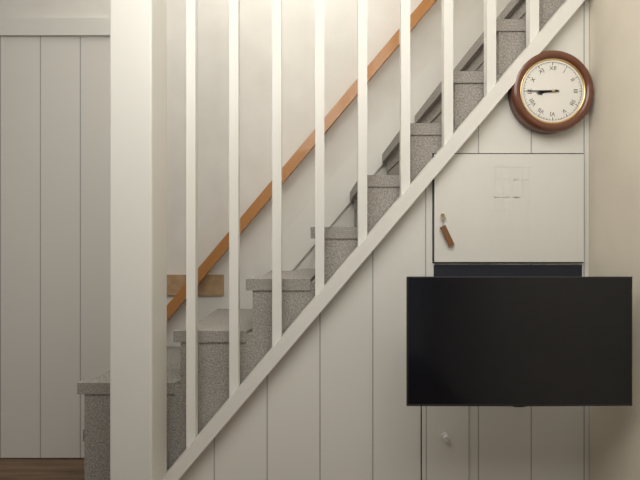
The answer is 8:45
